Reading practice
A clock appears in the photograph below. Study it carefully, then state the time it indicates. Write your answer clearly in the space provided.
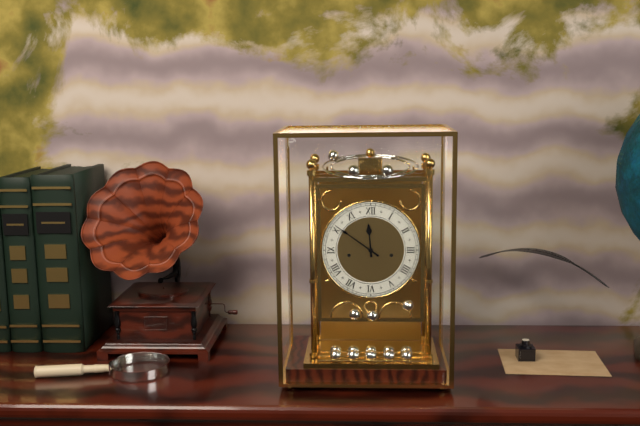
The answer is 11:51
